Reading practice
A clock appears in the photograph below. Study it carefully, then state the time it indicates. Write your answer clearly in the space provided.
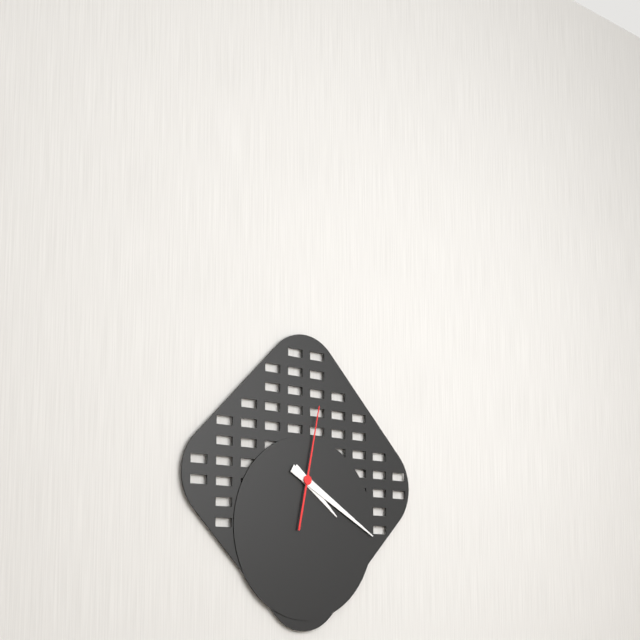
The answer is 4:20:02
